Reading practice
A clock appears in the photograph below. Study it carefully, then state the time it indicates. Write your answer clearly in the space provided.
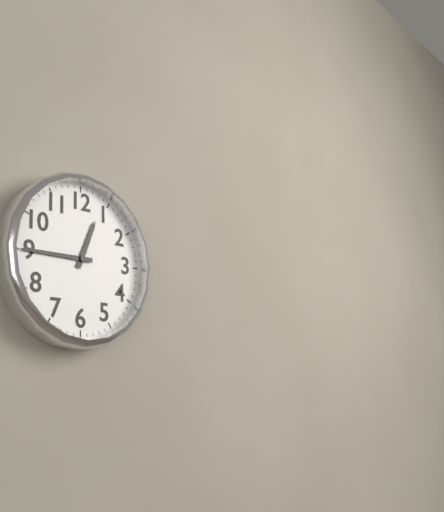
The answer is 12:45
